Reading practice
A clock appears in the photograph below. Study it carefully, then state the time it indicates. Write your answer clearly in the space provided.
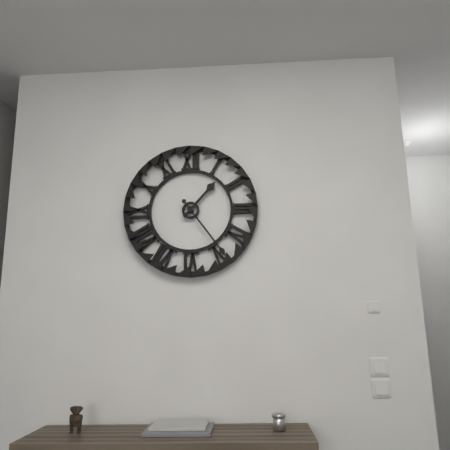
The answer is 1:24
